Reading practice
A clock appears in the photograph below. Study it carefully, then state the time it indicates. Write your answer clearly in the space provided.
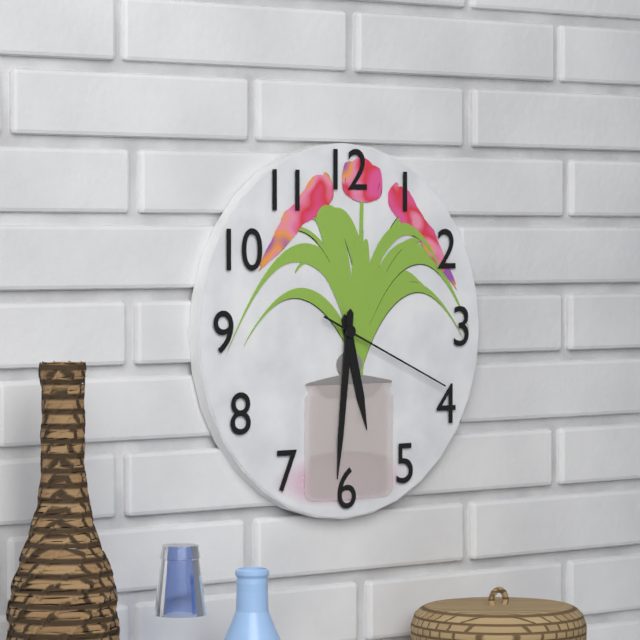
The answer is 5:31:19
